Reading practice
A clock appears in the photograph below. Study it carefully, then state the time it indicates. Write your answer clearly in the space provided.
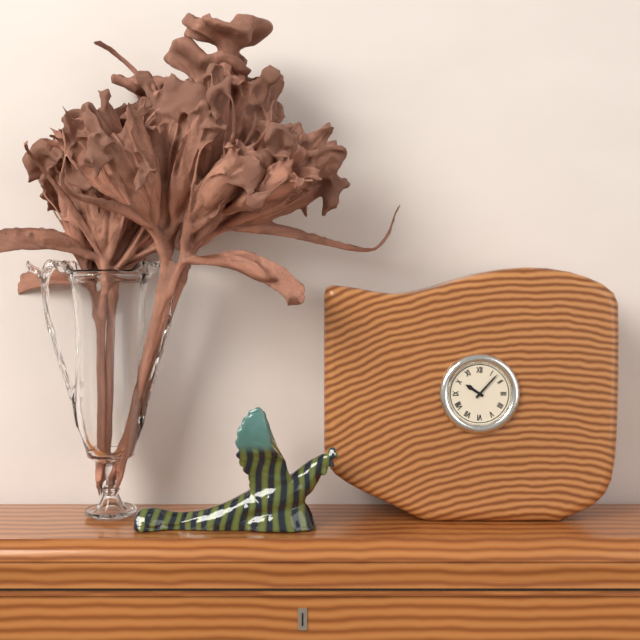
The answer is 10:07
